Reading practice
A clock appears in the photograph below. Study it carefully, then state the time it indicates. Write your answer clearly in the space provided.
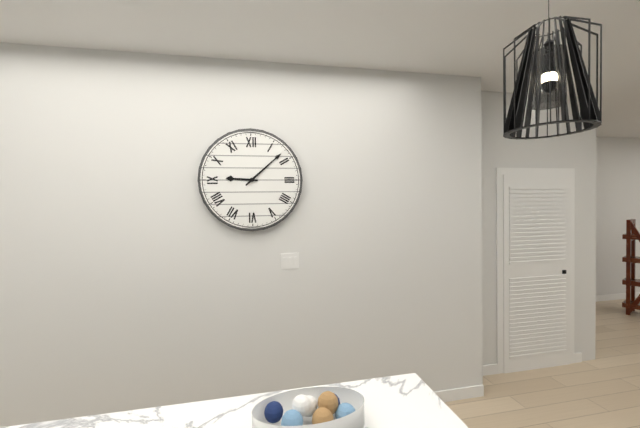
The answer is 9:08
